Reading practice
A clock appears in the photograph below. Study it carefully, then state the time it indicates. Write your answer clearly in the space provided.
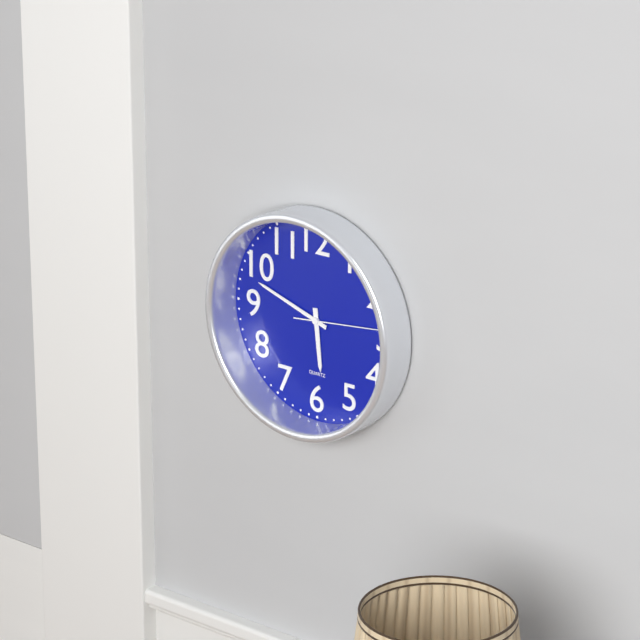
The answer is 5:48:14
